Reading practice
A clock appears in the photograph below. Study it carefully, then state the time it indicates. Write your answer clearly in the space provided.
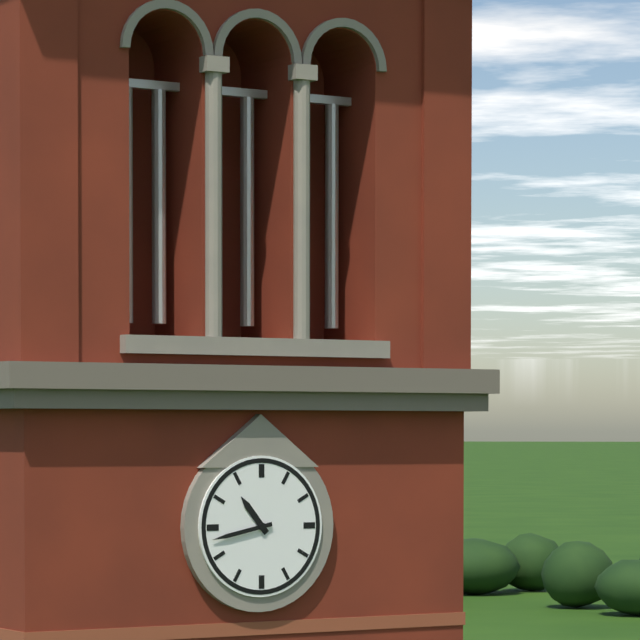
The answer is 10:43
